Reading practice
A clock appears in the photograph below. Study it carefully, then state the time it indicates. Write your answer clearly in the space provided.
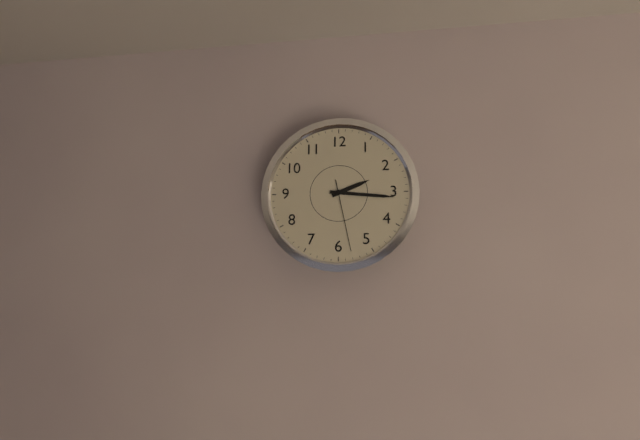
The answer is 2:16:28
